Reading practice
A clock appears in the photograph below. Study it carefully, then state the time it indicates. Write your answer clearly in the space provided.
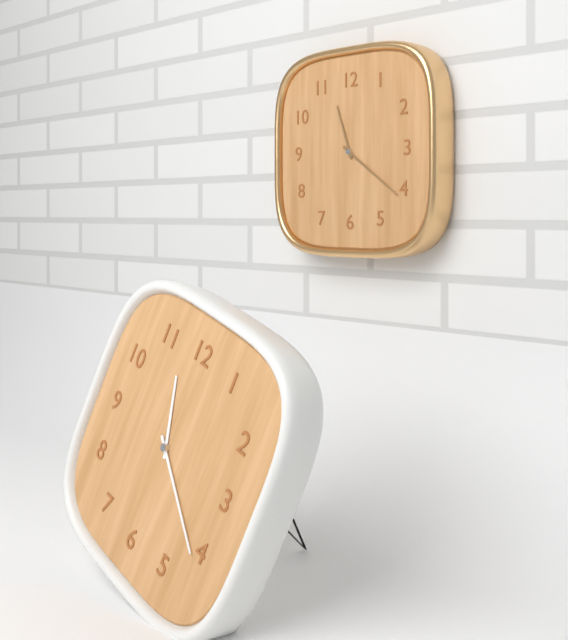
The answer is 11:21
